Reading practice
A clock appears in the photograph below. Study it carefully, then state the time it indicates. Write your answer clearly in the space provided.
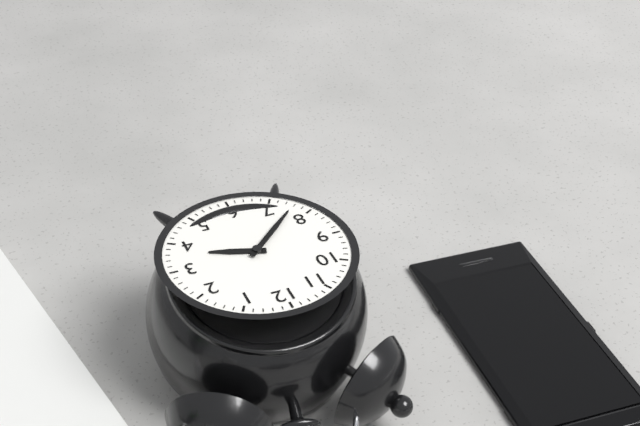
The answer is 3:38
